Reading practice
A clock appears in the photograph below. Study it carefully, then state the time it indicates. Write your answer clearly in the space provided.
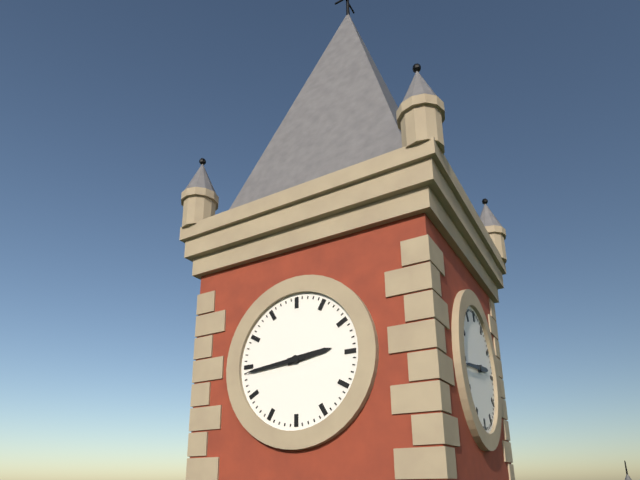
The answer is 2:44
